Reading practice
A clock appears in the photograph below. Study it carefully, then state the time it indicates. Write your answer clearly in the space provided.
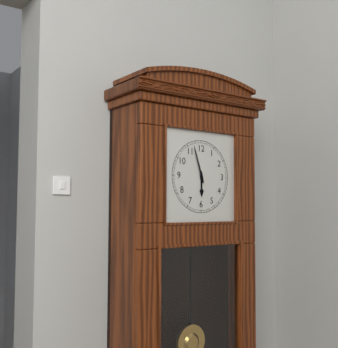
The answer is 5:57
